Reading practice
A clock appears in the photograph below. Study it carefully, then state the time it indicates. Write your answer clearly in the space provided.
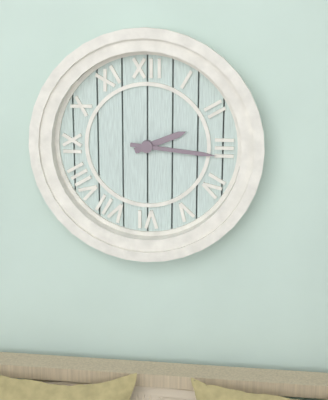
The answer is 2:16
